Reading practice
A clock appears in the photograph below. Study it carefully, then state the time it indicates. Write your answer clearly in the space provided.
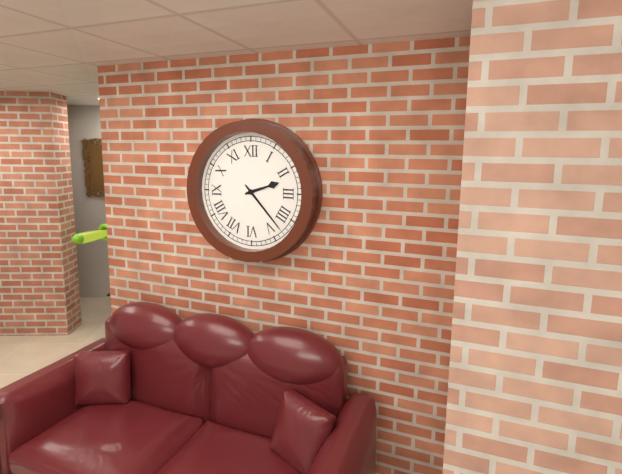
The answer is 2:23
